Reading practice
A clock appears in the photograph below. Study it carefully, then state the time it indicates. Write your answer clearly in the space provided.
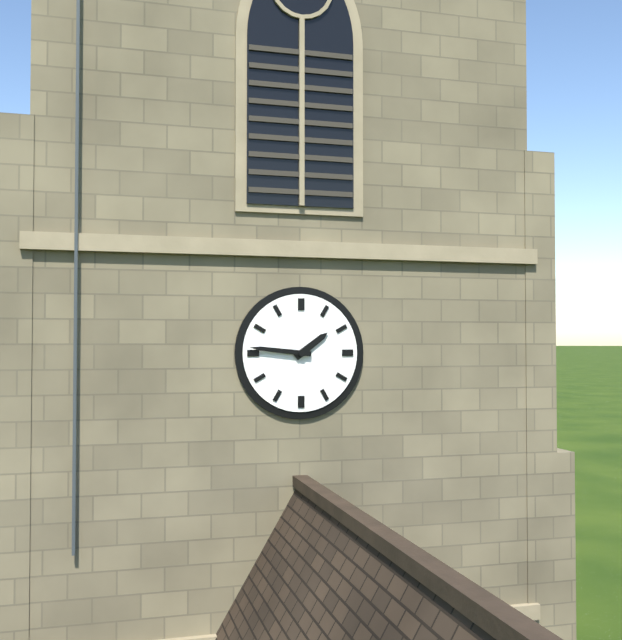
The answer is 1:46
